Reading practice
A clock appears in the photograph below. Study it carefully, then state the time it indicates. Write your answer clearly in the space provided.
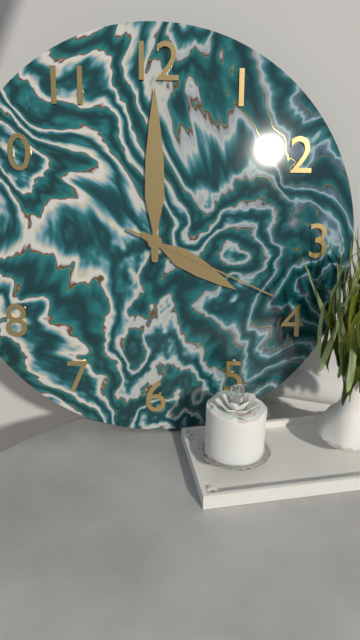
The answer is 4:00:19
